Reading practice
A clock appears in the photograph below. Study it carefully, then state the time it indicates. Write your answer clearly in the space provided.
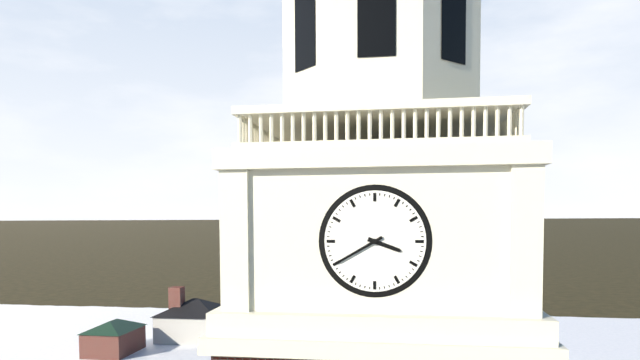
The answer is 3:40
